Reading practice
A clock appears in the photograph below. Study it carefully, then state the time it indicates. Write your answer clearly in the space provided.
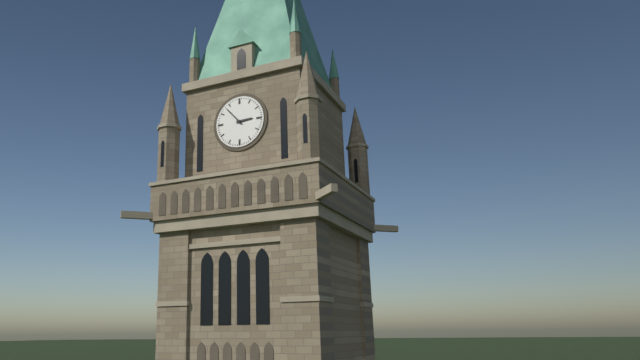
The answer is 2:53
